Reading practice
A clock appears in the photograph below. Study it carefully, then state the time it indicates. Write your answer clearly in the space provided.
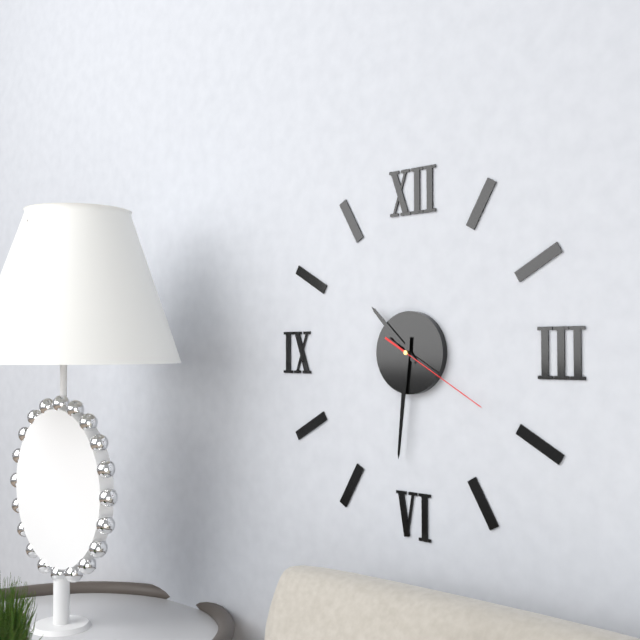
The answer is 10:31:20
